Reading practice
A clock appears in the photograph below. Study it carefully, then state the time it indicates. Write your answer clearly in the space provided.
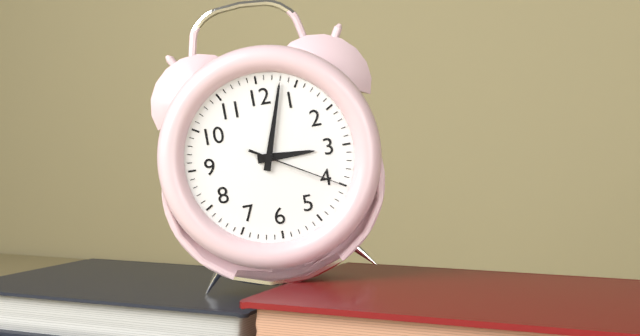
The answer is 3:03:20
